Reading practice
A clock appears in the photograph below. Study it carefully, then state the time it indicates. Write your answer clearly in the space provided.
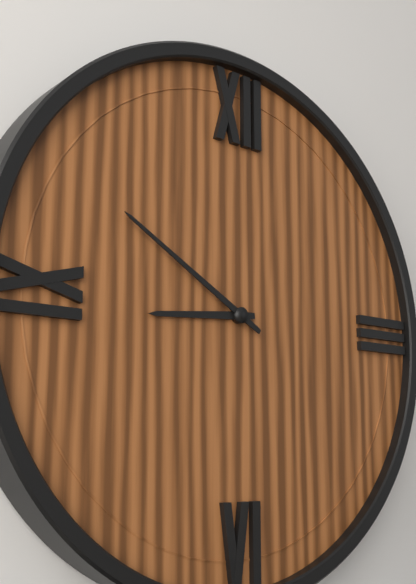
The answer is 8:50
